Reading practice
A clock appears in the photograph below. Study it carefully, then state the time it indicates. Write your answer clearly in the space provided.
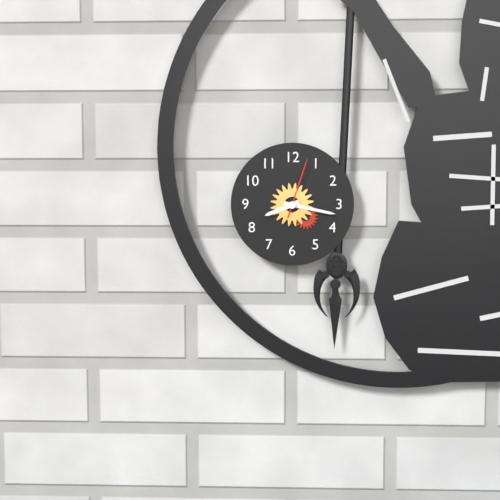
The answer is 8:17:03
